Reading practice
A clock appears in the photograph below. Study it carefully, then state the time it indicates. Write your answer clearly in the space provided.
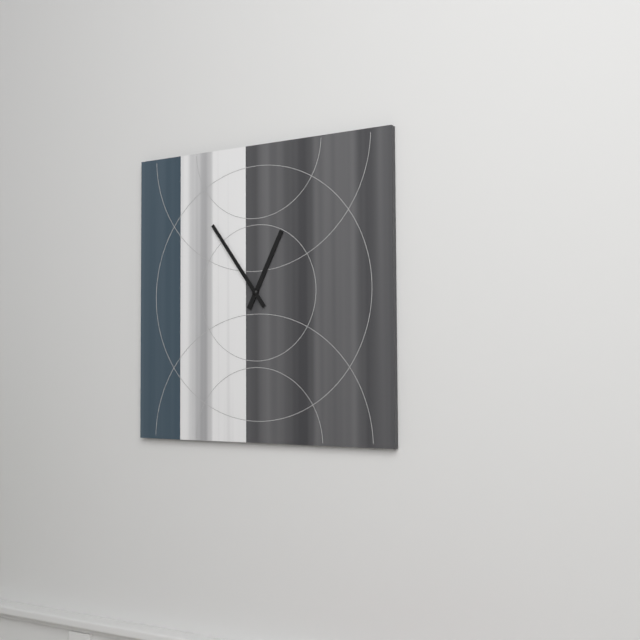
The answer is 12:54
